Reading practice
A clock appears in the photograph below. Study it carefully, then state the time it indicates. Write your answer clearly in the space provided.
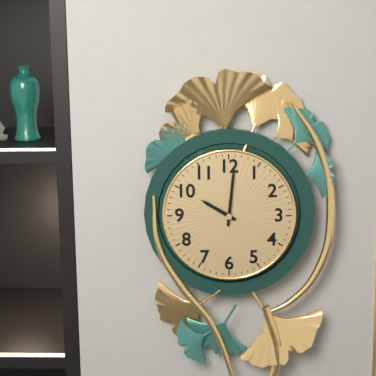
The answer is 10:01
